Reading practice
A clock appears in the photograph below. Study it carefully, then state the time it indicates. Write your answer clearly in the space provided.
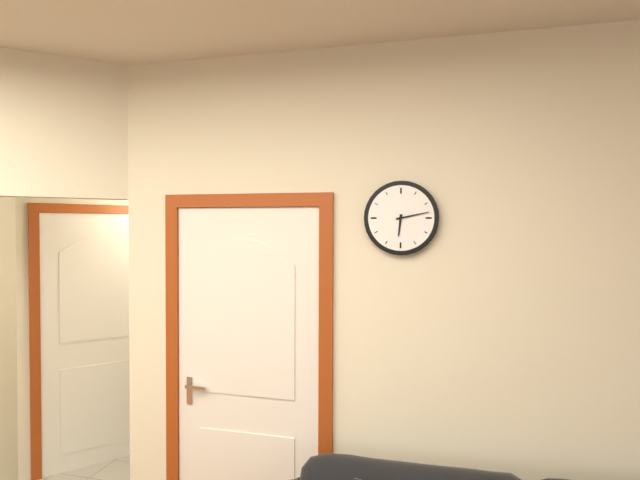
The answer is 6:13
